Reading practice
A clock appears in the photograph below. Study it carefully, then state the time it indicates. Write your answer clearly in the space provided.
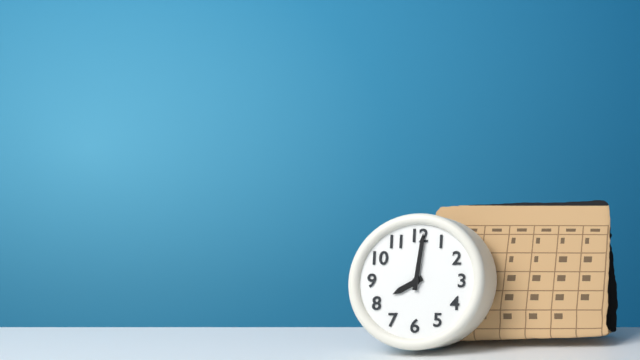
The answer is 8:01
